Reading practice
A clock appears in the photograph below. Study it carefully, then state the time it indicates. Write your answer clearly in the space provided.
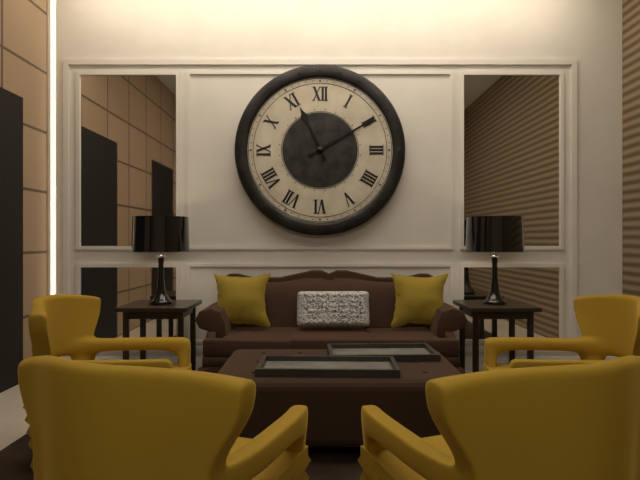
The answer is 11:10
